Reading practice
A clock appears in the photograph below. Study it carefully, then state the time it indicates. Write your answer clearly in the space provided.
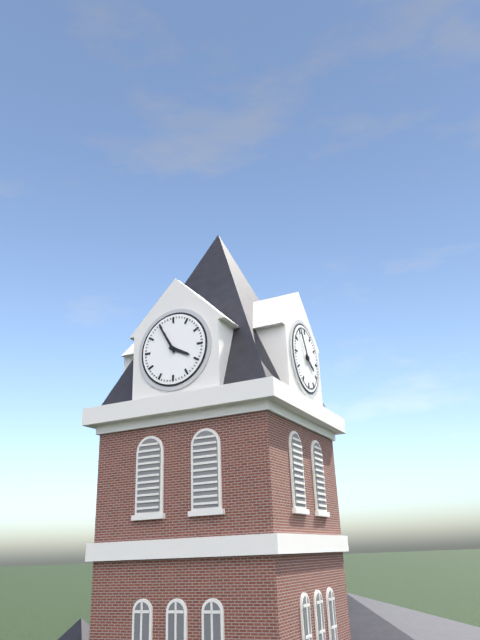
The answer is 3:55
